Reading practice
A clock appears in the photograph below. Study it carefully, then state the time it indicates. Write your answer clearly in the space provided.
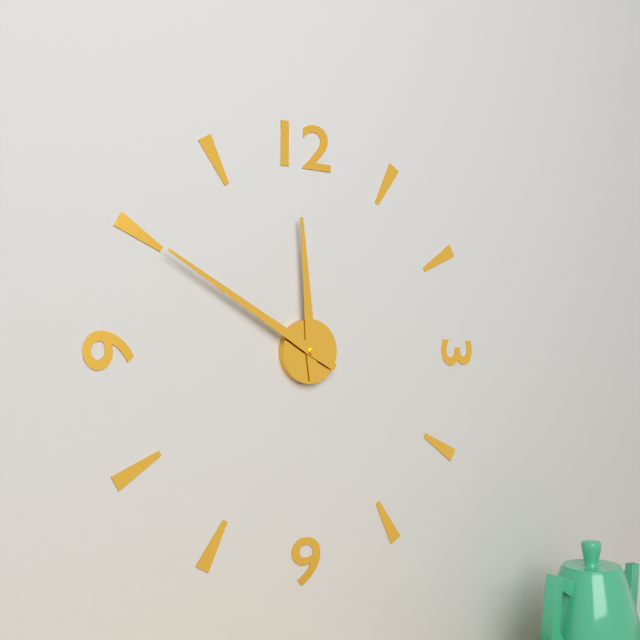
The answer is 11:50
